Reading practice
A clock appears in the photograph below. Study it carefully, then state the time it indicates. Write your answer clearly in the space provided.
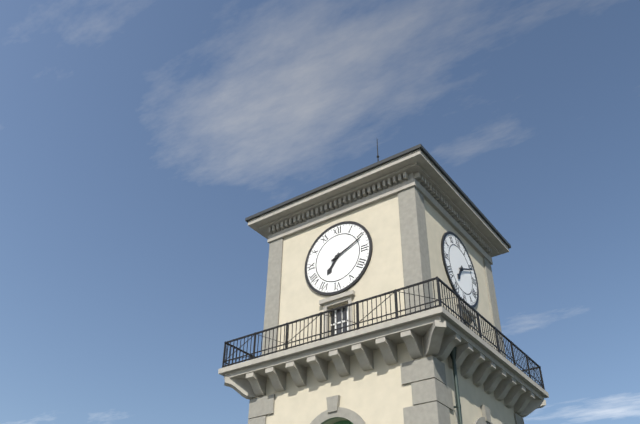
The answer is 7:11
